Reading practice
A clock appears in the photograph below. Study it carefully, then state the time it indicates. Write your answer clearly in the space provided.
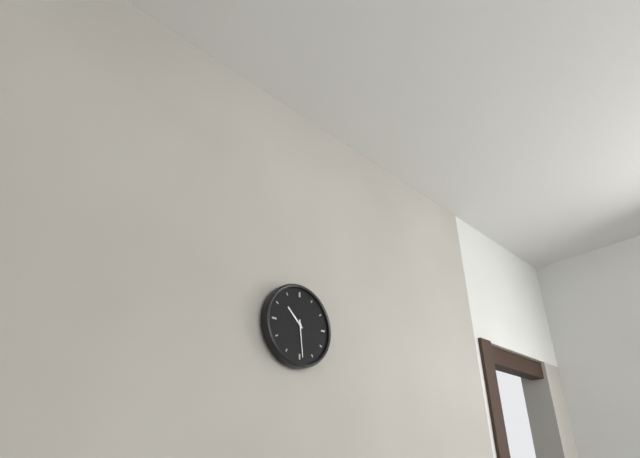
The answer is 10:29
